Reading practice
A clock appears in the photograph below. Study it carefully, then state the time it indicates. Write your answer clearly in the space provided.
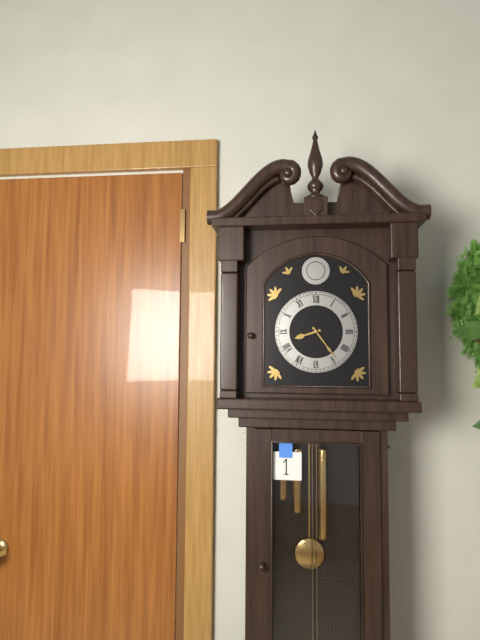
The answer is 8:24
